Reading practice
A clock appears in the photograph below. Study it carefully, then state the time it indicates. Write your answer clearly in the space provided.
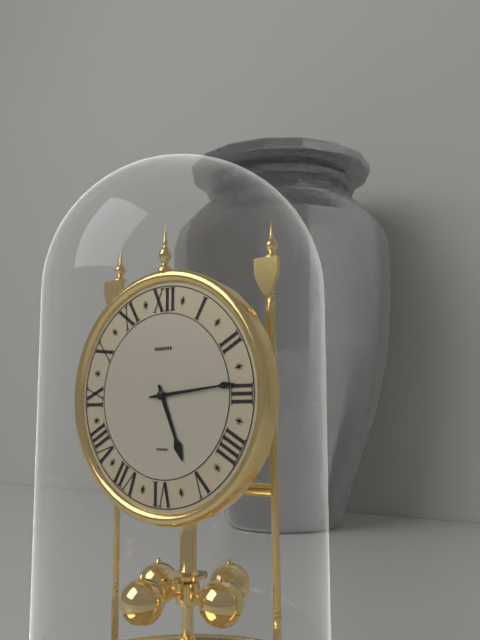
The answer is 5:14
